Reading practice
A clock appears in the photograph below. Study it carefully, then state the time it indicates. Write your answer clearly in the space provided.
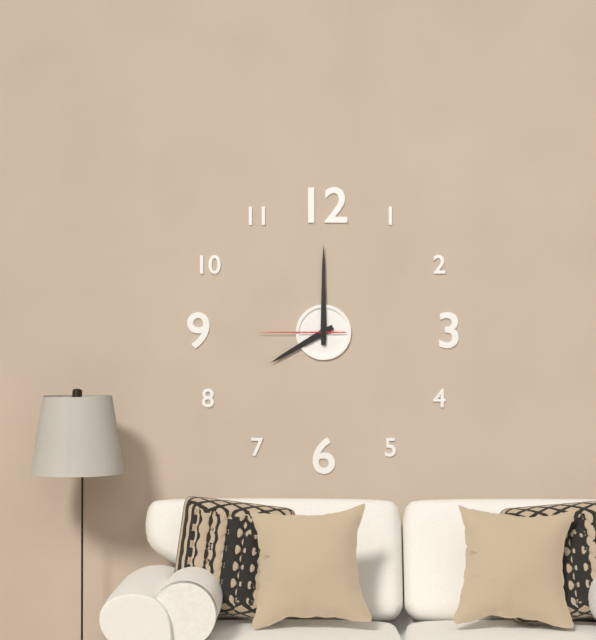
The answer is 8:00:45
